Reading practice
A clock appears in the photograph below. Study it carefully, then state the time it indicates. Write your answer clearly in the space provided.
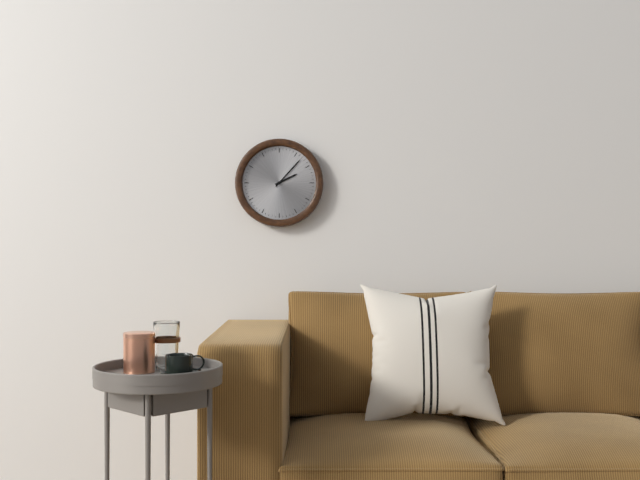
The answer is 2:07
